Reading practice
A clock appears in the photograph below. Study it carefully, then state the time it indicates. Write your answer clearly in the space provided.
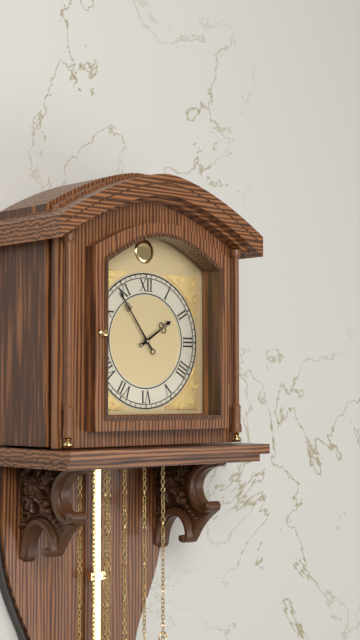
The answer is 1:54
